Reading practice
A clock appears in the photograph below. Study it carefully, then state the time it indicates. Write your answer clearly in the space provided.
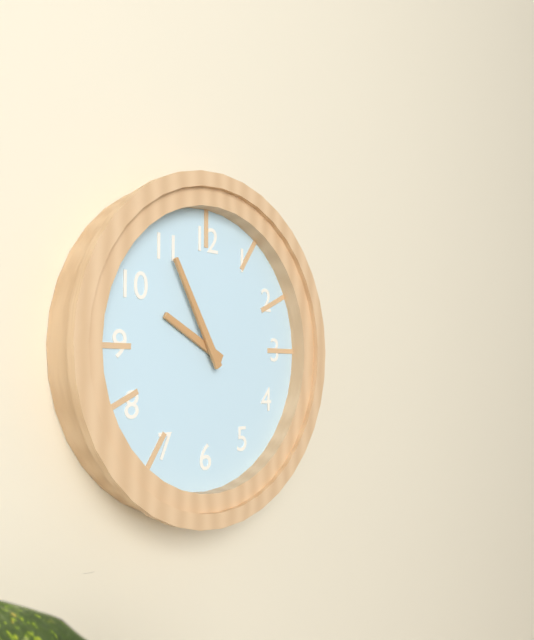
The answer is 9:55
